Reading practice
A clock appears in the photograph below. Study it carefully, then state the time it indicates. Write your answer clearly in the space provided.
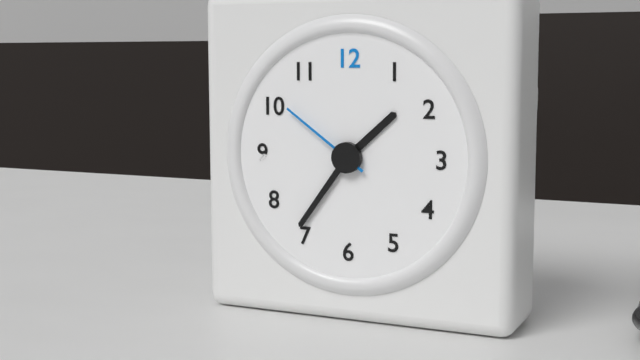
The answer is 1:36:51
